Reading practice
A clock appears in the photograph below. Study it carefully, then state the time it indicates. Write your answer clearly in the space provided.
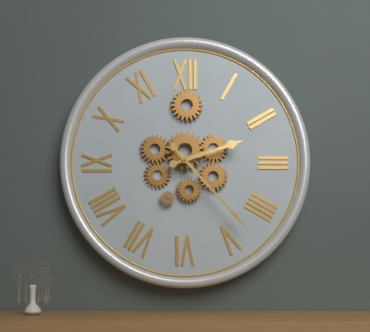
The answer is 2:23
